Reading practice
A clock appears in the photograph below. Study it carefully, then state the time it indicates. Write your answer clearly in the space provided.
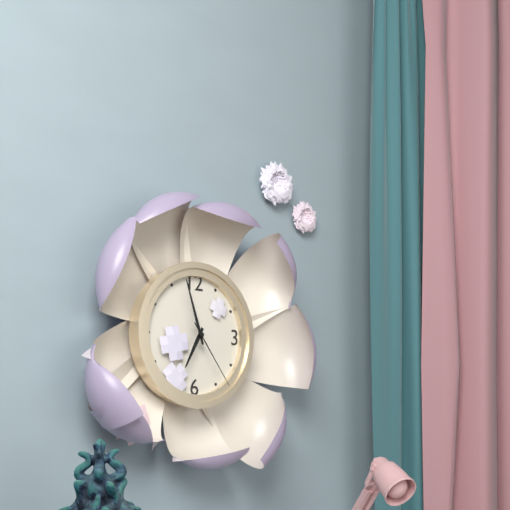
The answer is 6:57:24
